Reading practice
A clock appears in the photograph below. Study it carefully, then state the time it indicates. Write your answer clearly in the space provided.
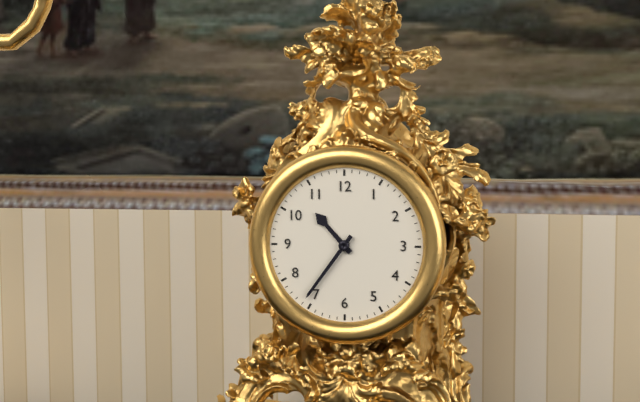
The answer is 10:36
